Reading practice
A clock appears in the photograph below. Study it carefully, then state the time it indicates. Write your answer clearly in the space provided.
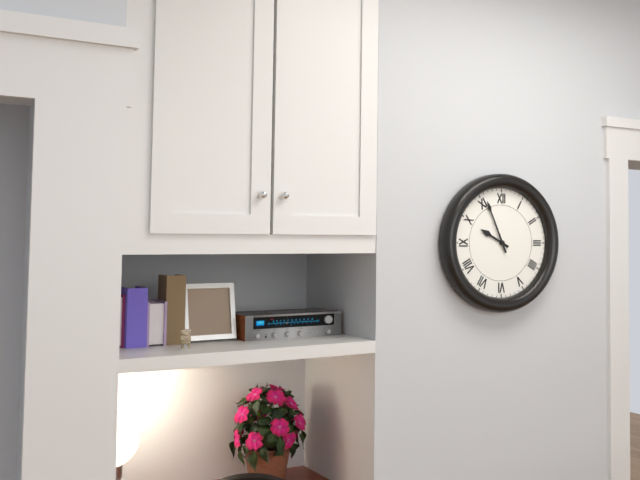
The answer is 9:56
